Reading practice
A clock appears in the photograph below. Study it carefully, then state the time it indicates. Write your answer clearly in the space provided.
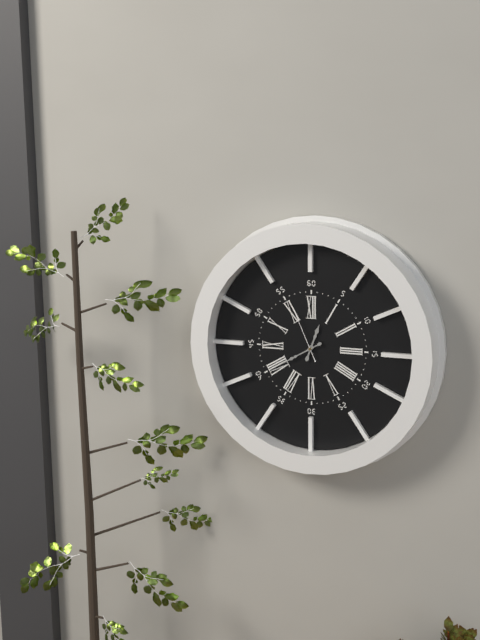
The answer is 12:40
